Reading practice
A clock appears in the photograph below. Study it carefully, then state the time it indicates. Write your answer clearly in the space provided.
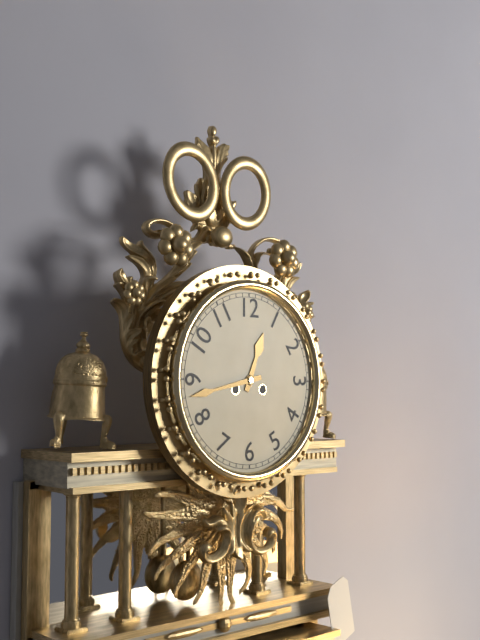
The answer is 12:43
